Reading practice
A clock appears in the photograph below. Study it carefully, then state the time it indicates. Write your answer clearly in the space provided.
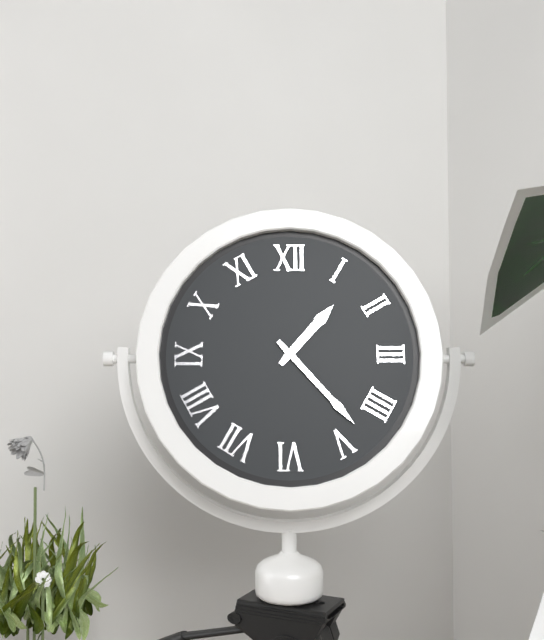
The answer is 1:23
